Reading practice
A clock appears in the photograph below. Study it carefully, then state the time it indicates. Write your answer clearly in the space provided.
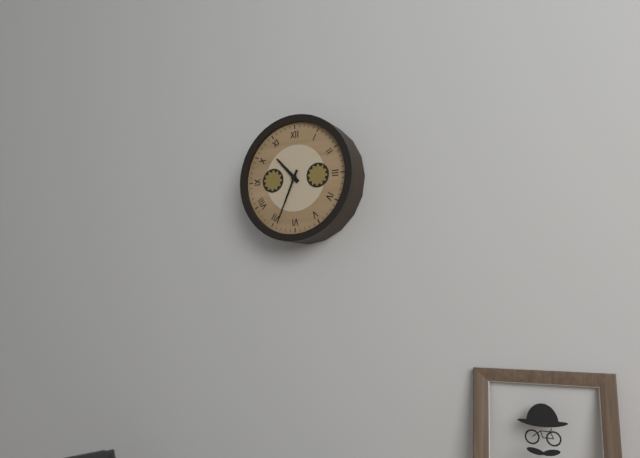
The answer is 10:34
